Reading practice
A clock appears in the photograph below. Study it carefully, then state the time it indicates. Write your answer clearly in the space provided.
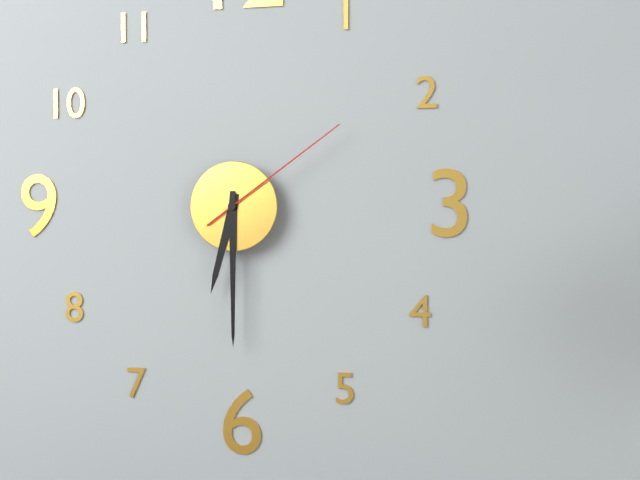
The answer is 6:30:09
